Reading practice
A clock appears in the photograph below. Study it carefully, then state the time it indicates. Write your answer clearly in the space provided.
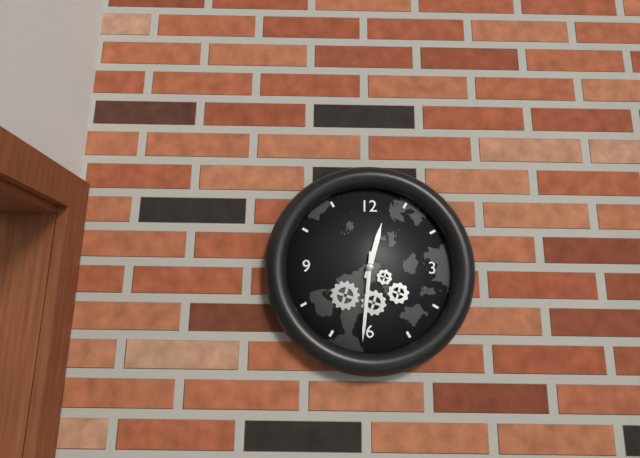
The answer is 12:31
